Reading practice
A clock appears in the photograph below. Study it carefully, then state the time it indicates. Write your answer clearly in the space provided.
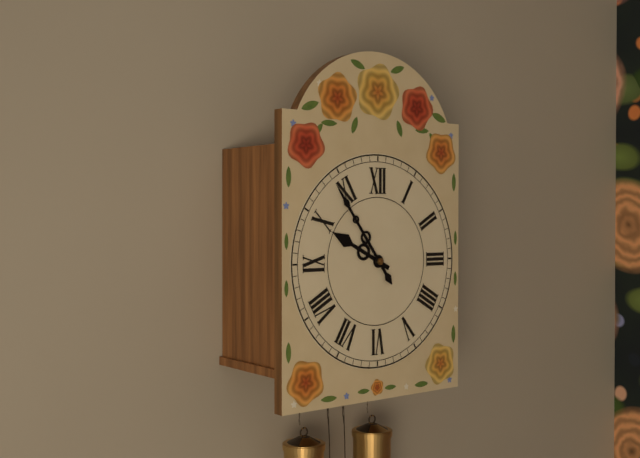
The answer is 9:54
